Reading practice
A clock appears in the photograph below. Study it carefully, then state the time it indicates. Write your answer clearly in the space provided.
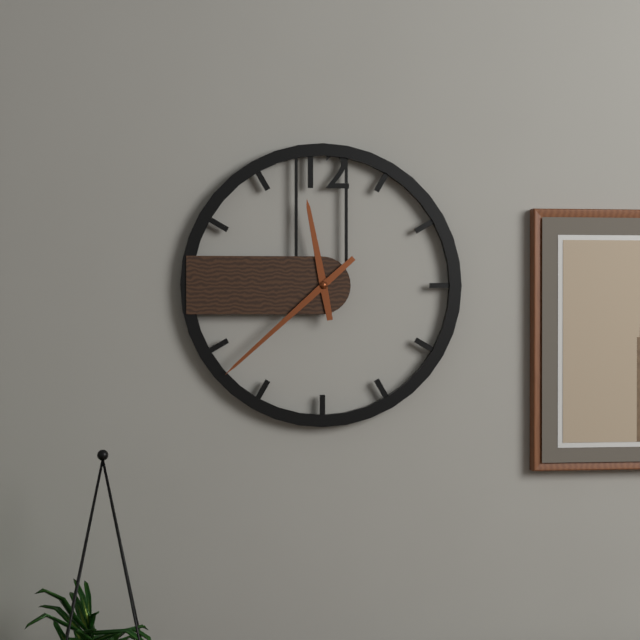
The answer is 11:38
